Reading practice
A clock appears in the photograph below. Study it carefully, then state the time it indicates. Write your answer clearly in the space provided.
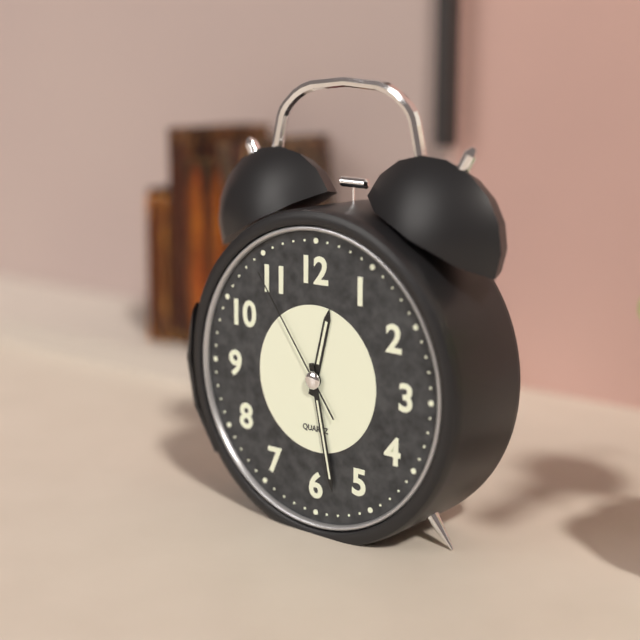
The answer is 12:28:54
